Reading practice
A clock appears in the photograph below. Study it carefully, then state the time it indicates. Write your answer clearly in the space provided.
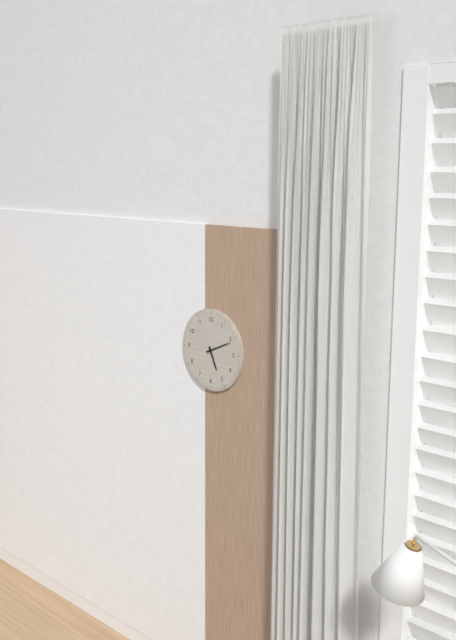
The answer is 5:11
